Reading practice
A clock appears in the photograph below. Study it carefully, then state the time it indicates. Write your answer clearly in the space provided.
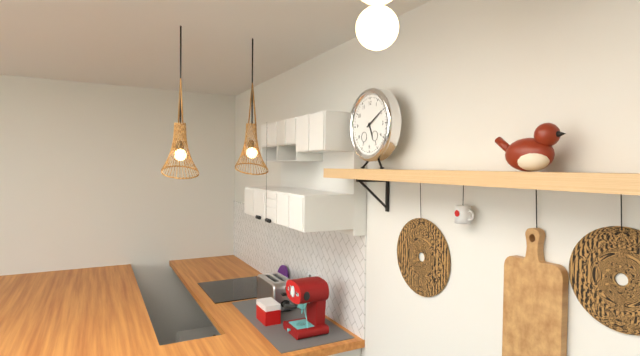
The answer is 5:10
